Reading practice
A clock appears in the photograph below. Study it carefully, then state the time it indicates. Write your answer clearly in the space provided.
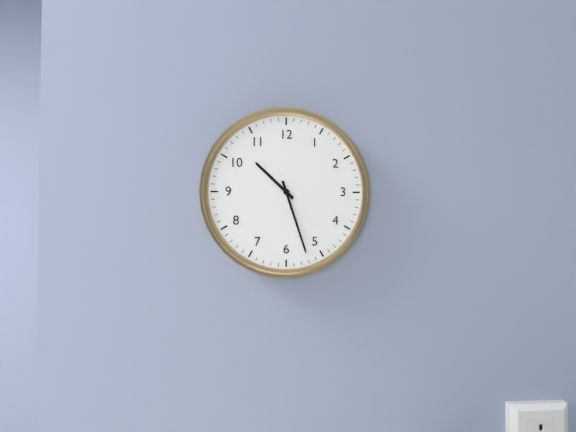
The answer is 10:27
